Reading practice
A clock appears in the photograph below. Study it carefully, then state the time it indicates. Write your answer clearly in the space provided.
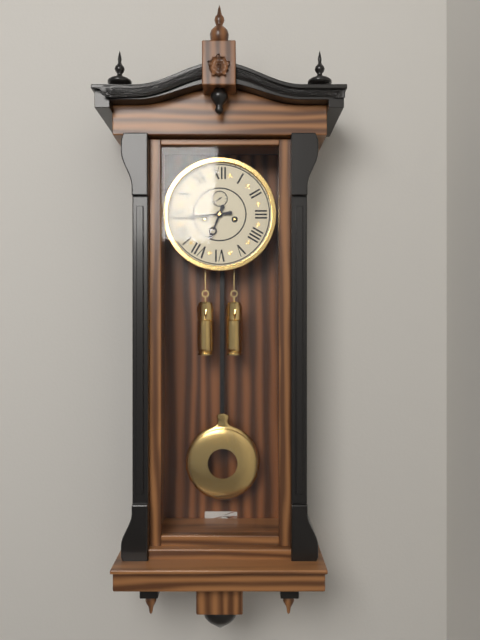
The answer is 6:44
